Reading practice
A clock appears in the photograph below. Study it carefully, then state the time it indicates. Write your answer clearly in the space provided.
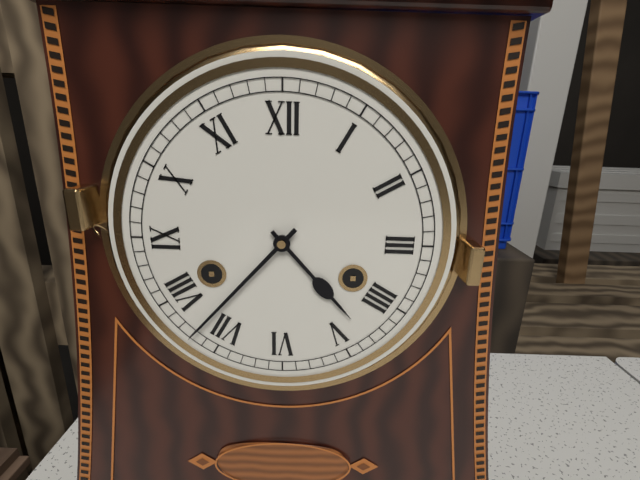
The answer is 4:37
